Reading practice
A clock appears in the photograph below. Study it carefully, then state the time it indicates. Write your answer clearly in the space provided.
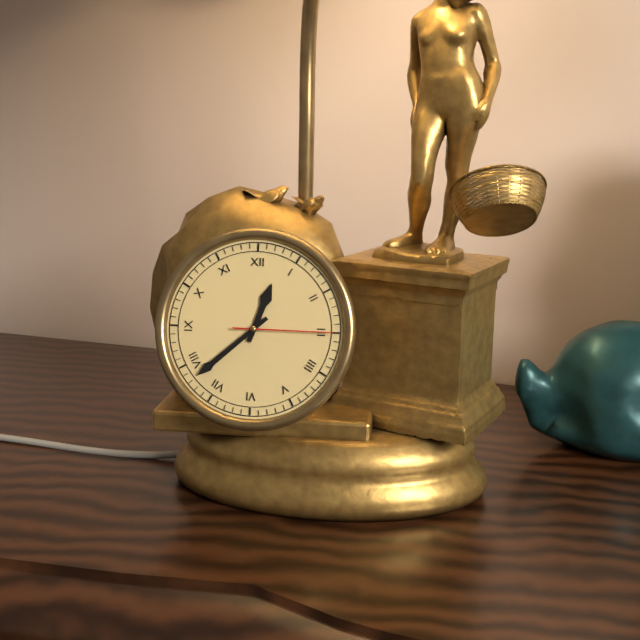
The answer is 12:38:15
